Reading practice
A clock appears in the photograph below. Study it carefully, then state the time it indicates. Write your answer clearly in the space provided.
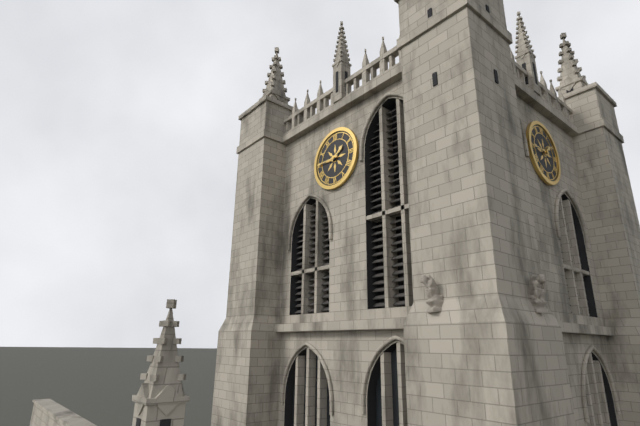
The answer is 1:45
